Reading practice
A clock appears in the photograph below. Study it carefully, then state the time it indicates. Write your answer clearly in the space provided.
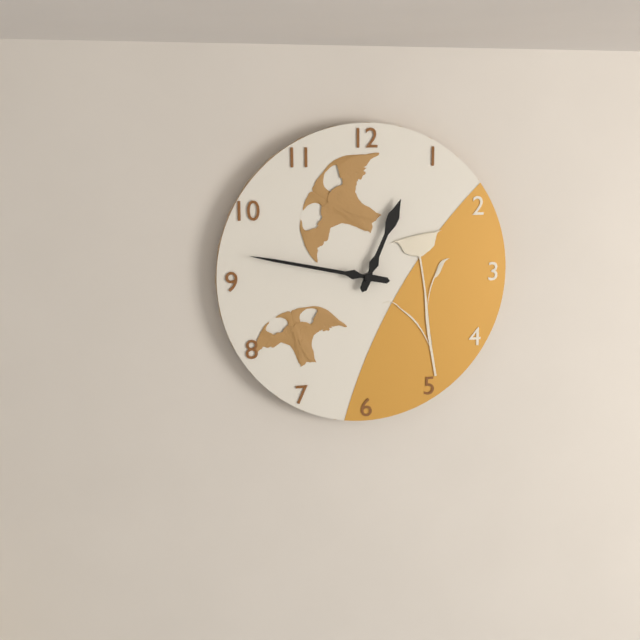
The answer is 12:47
